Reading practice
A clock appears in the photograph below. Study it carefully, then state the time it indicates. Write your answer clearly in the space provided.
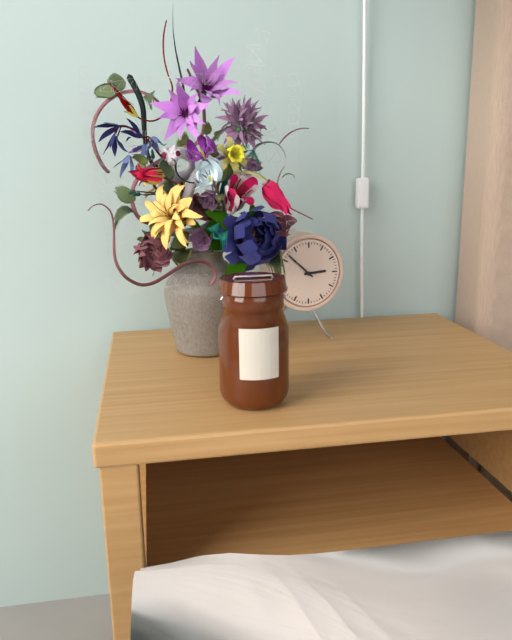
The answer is 2:52
